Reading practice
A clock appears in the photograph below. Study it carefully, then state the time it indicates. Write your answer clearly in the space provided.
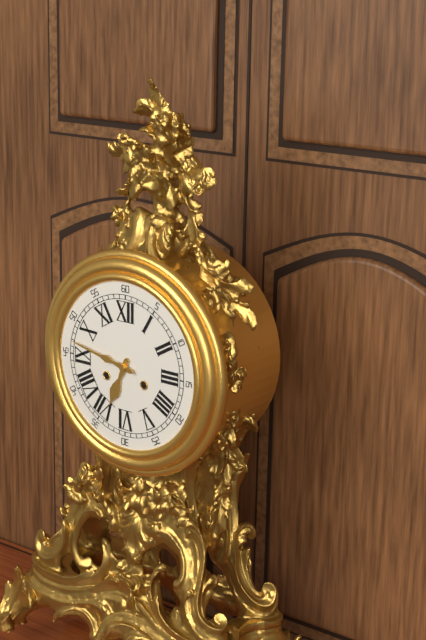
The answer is 6:47
